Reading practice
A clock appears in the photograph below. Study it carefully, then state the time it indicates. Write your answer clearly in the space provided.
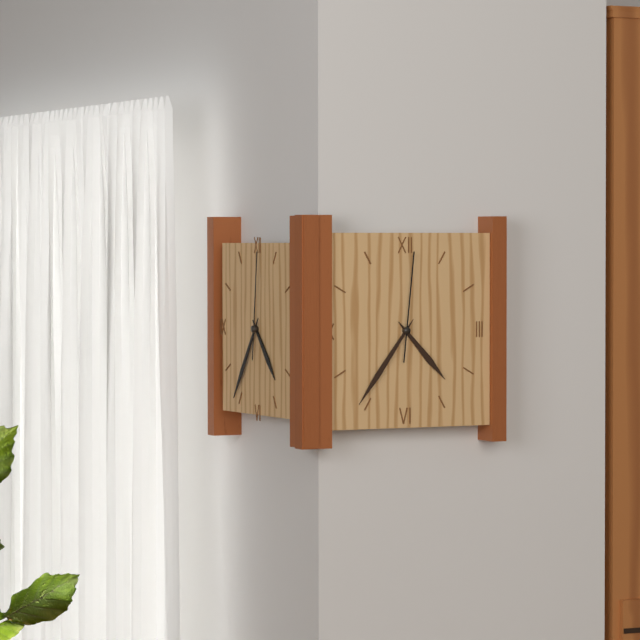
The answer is 4:36:01
